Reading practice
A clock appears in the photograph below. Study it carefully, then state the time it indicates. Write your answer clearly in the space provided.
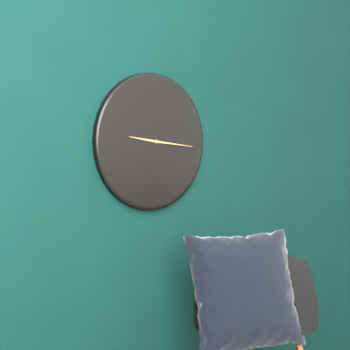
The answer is 9:16
